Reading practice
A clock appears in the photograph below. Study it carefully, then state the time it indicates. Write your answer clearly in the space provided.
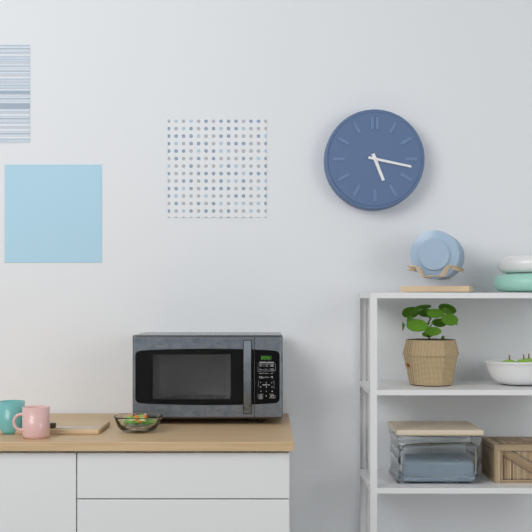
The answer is 5:17
